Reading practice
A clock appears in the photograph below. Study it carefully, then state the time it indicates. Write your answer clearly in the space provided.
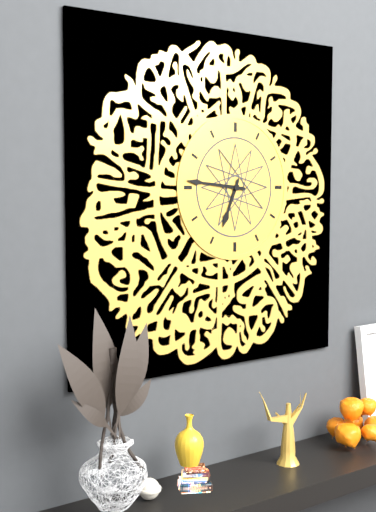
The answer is 6:46
